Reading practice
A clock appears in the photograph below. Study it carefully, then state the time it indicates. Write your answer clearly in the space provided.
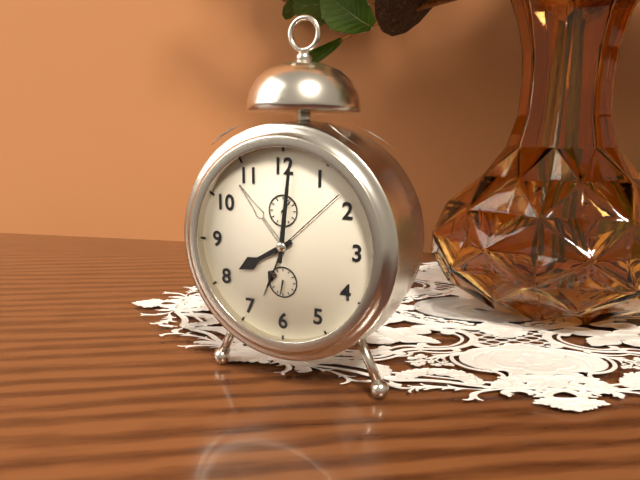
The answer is 8:01
